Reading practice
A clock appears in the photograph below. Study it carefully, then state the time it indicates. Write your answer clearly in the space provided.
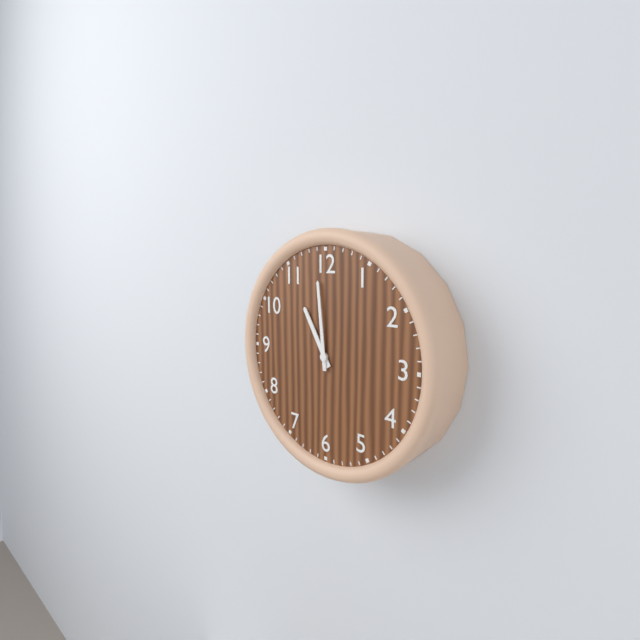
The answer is 10:59
